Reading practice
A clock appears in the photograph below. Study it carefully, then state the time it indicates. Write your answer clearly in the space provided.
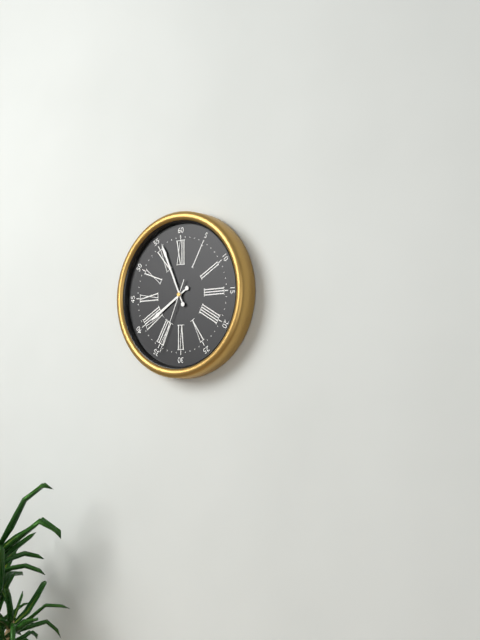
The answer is 7:56:34
